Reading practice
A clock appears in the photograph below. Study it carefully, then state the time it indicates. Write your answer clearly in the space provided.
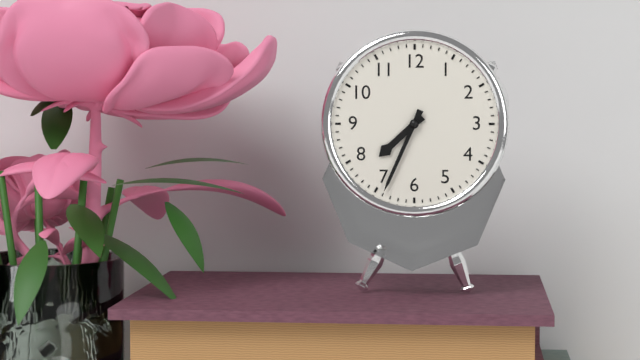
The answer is 7:34
